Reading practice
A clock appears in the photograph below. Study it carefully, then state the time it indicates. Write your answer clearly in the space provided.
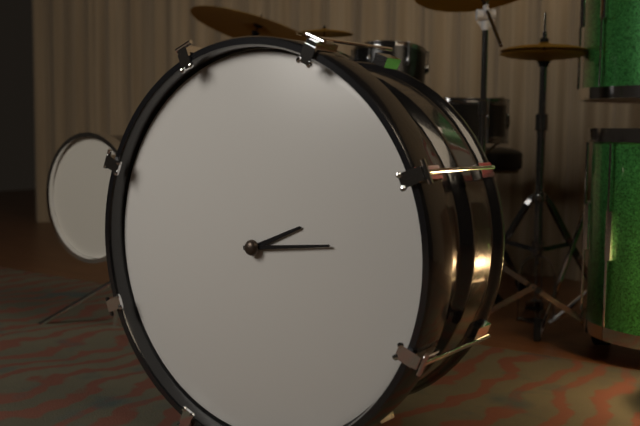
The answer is 2:14
